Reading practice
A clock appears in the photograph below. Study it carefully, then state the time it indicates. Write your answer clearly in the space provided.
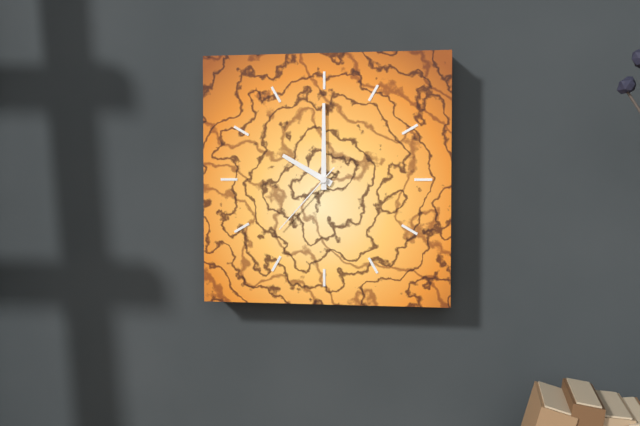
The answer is 10:00:37
